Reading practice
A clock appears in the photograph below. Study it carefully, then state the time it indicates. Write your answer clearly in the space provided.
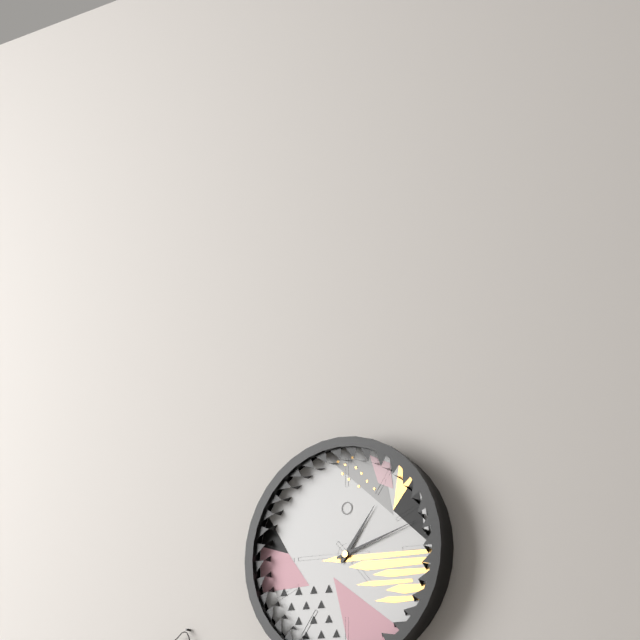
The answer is 1:12
